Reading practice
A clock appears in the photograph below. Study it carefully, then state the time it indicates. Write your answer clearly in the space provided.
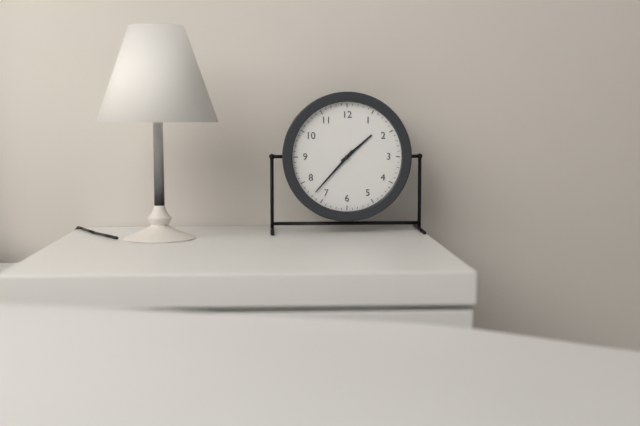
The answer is 1:37
